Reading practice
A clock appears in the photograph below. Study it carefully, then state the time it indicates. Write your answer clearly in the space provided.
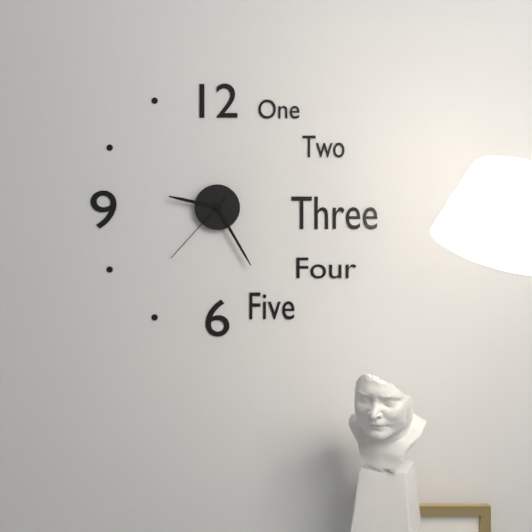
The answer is 9:25:37
